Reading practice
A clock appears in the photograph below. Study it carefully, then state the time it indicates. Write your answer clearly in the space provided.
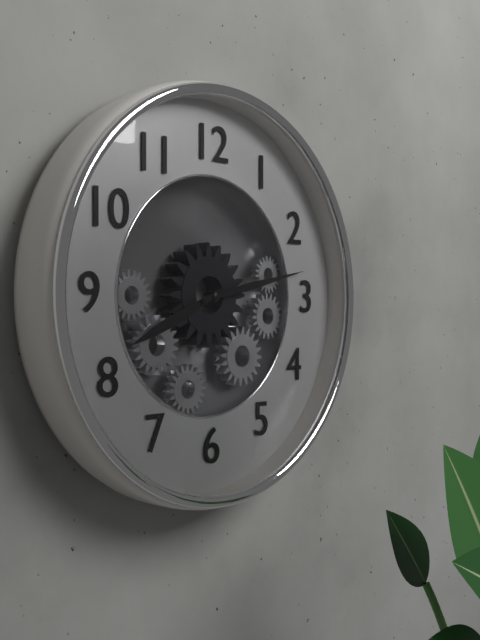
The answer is 8:13
